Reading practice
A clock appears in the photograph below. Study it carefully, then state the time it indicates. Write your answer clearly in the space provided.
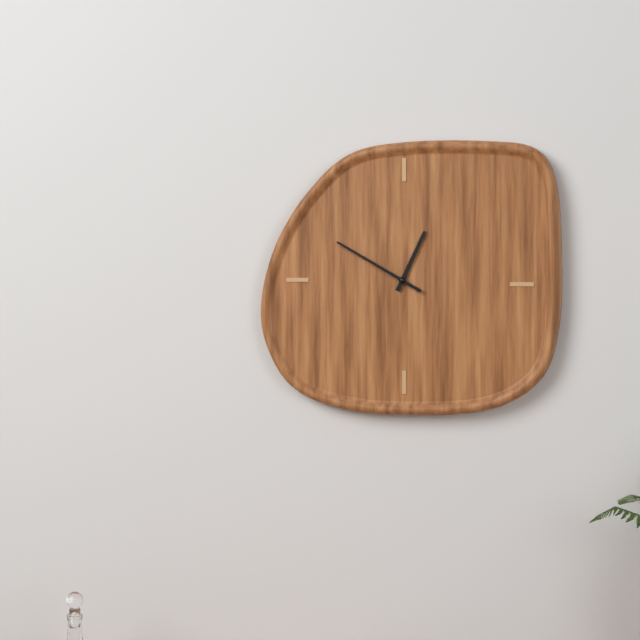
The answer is 12:50
